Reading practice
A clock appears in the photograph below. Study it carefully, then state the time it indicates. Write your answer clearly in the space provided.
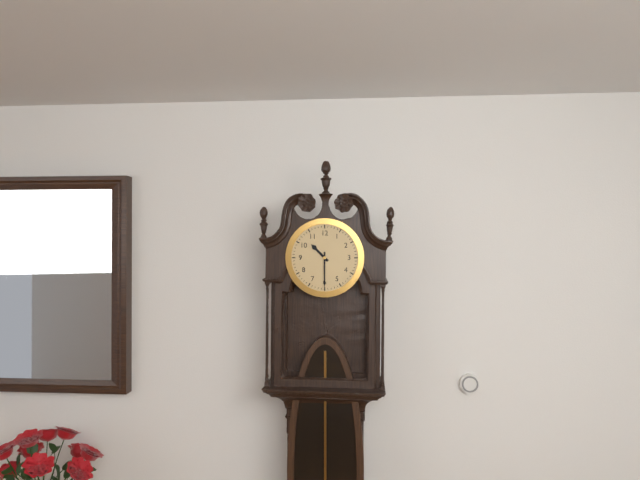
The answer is 10:30
